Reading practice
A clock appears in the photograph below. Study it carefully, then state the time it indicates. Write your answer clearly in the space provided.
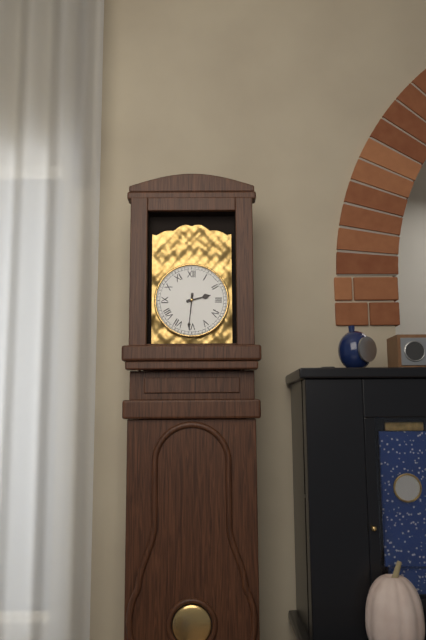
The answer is 2:31
